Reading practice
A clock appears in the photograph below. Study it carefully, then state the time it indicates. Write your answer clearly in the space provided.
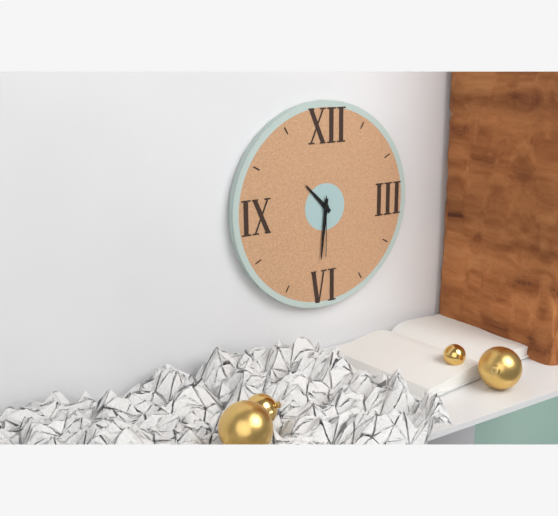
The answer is 10:31:30
